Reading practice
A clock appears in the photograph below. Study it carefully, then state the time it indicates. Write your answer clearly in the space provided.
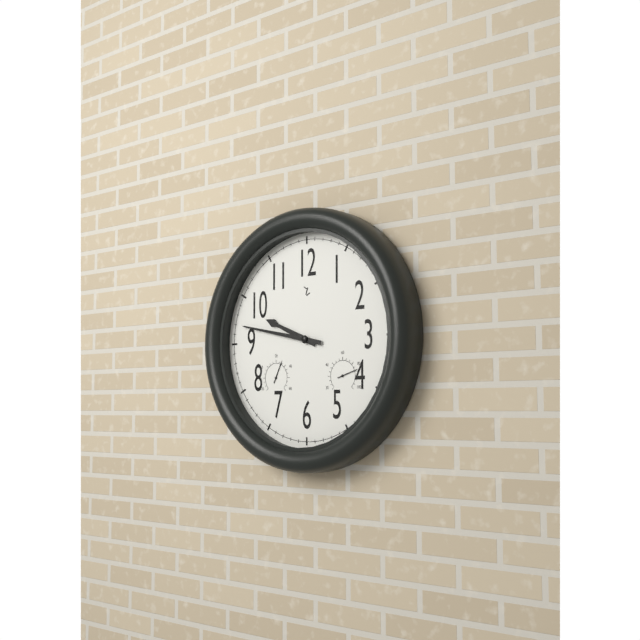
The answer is 9:47
